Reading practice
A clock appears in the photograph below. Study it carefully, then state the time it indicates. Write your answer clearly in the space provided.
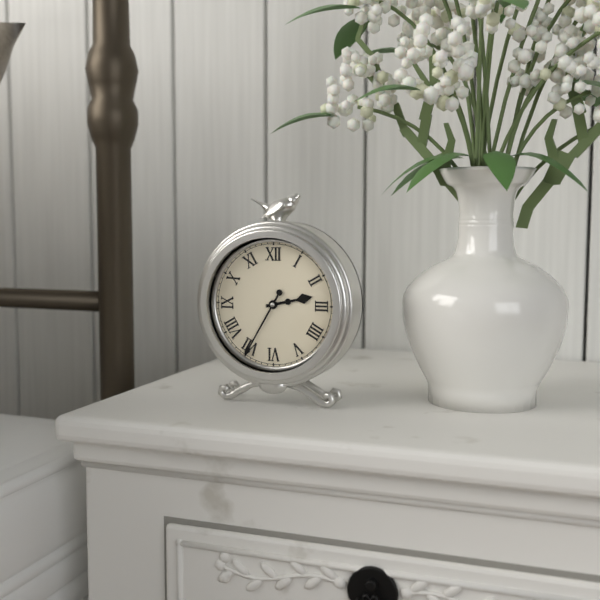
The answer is 2:35
